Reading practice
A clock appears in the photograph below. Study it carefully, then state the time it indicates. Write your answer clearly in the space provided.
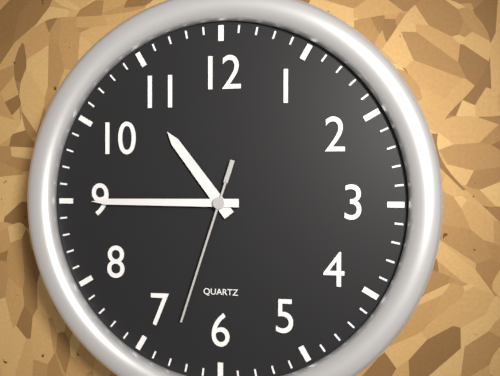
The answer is 10:45:33
